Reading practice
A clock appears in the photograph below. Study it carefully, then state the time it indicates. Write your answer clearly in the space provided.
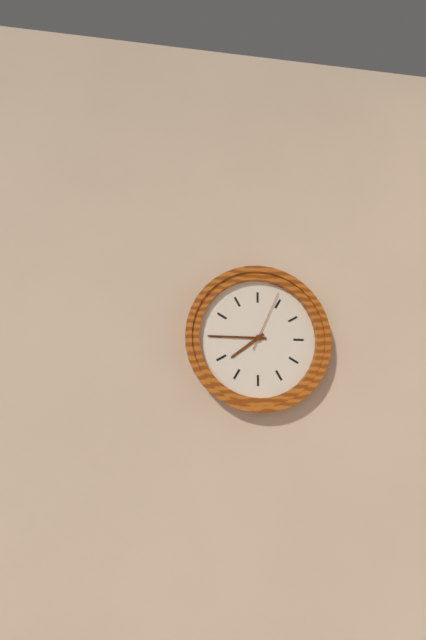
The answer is 7:45:04
